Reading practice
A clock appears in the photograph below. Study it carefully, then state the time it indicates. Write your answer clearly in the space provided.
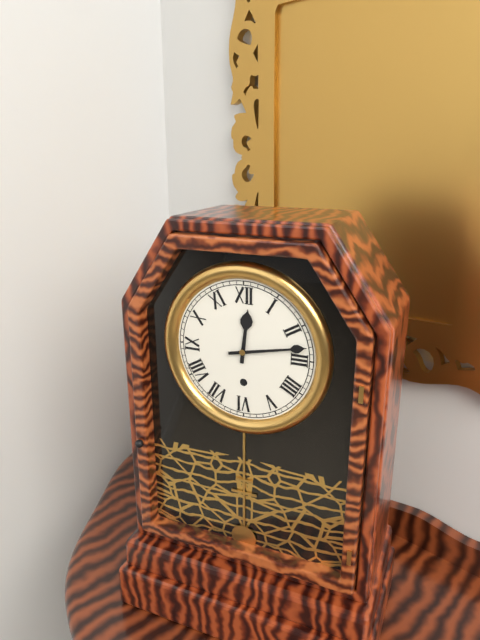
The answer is 12:13
